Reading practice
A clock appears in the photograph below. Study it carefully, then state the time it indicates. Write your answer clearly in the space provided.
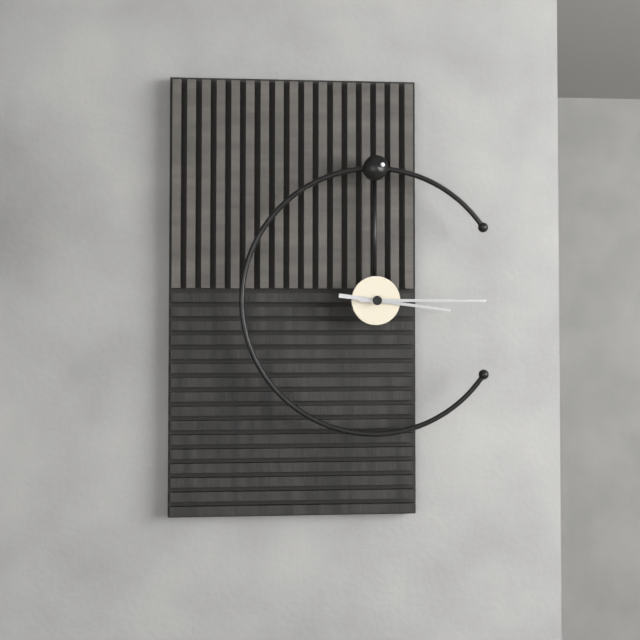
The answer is 3:15
